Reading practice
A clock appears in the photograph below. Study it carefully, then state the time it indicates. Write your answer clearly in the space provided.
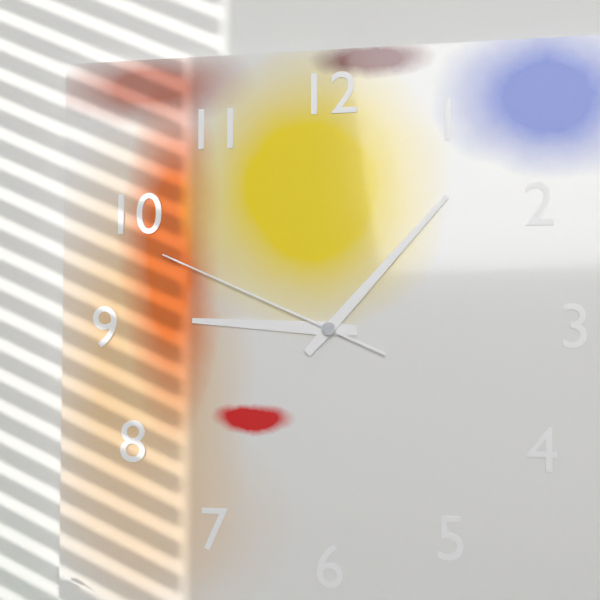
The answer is 9:07:49
